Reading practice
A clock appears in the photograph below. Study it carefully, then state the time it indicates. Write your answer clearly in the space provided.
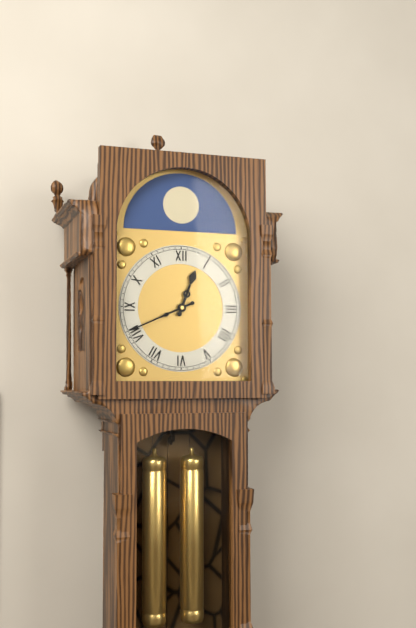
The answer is 12:41
